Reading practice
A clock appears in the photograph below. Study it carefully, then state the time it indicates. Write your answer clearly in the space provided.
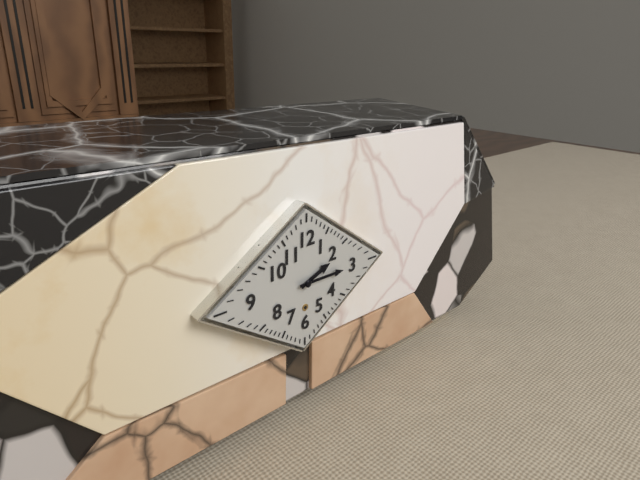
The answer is 2:15
